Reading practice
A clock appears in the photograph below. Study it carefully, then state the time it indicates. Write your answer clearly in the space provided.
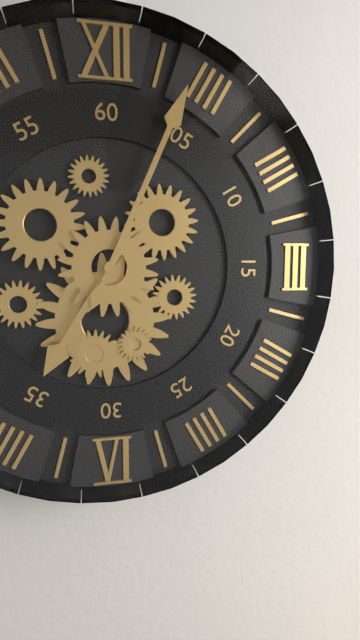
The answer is 7:04
